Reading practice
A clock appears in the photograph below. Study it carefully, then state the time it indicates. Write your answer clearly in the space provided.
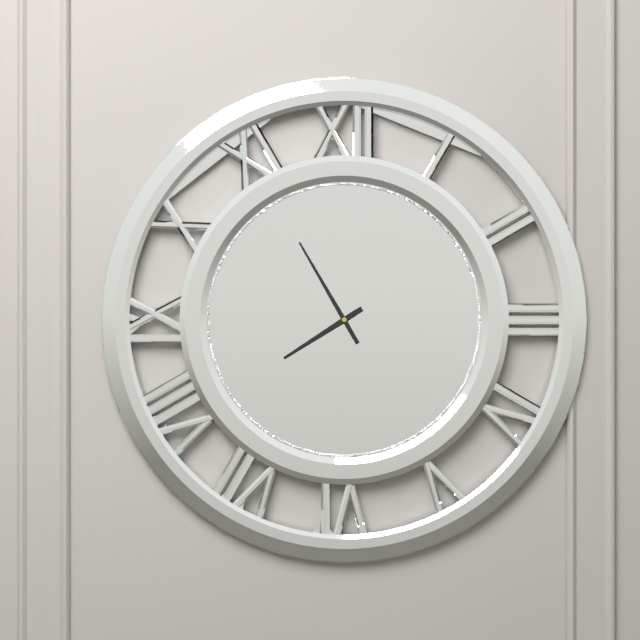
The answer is 7:55
